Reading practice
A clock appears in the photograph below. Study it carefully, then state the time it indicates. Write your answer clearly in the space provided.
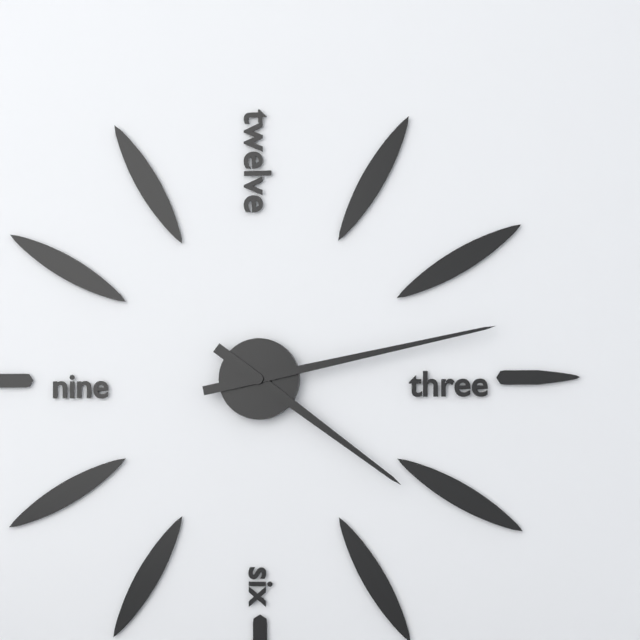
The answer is 4:13
